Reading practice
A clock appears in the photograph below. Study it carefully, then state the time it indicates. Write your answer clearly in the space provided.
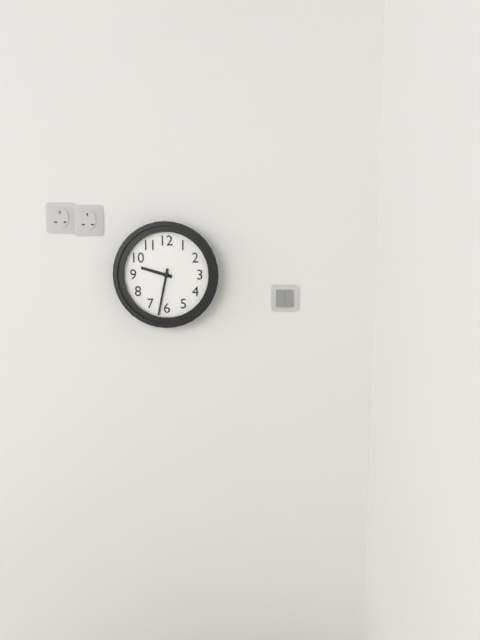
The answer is 9:32
